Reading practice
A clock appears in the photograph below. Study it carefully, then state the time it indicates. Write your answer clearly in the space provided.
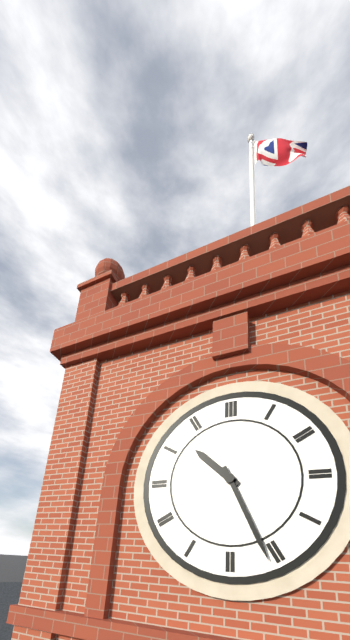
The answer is 10:26
